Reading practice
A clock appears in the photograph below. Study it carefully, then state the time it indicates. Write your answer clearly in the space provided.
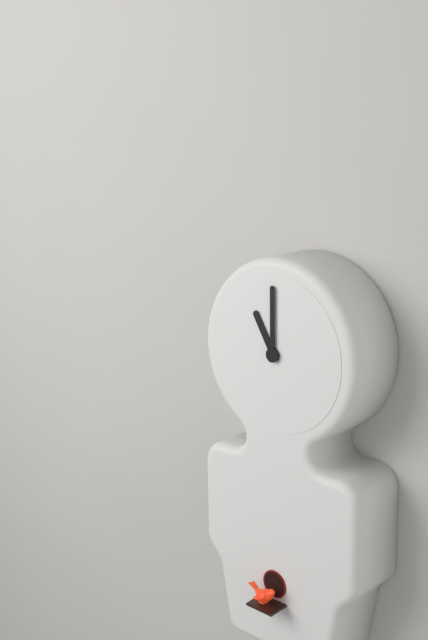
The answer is 11:00
